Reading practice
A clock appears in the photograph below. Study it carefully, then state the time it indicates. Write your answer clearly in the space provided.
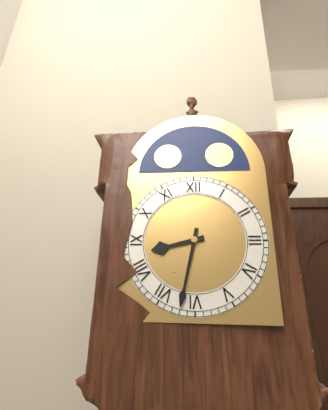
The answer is 8:32
